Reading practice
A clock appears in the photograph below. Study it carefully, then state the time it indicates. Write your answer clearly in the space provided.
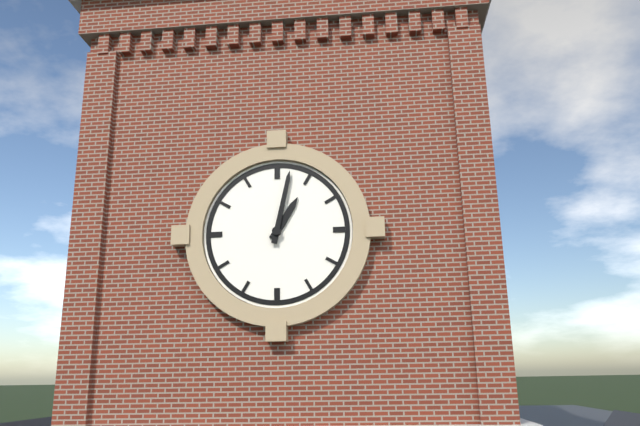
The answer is 1:02
